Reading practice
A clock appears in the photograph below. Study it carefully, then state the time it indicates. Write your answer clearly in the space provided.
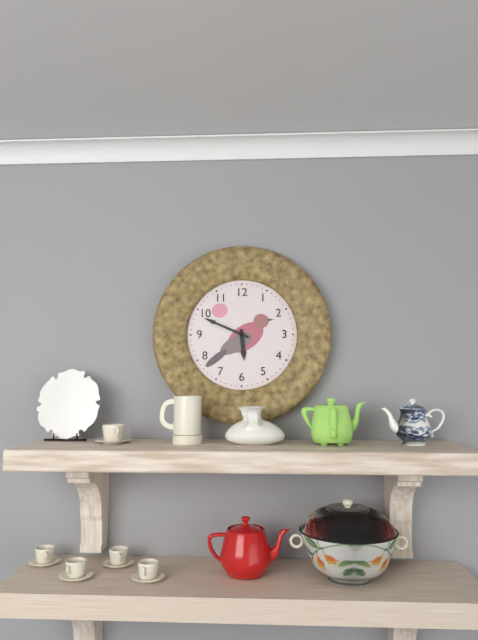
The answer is 5:49
